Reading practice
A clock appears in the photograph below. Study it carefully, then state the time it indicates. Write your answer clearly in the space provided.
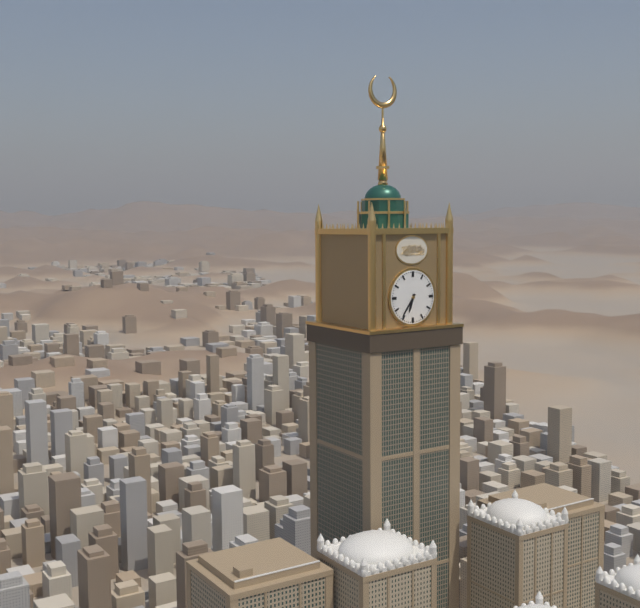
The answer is 6:36
